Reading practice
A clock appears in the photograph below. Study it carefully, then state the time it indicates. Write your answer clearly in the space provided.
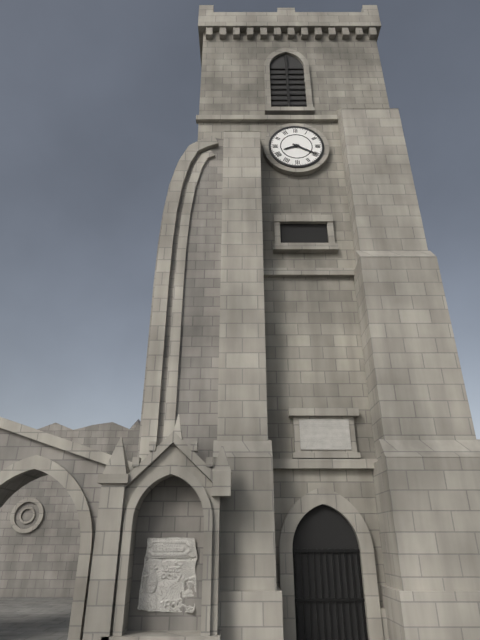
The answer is 8:20
